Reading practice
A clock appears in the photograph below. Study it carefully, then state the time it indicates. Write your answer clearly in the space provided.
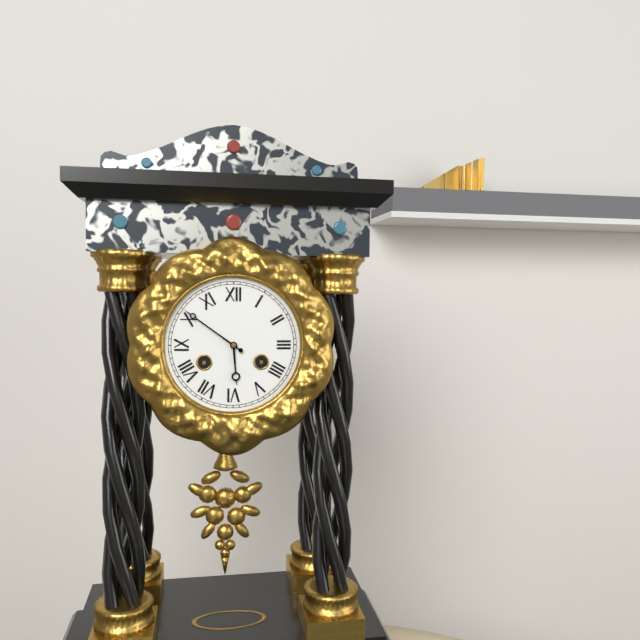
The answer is 5:51
